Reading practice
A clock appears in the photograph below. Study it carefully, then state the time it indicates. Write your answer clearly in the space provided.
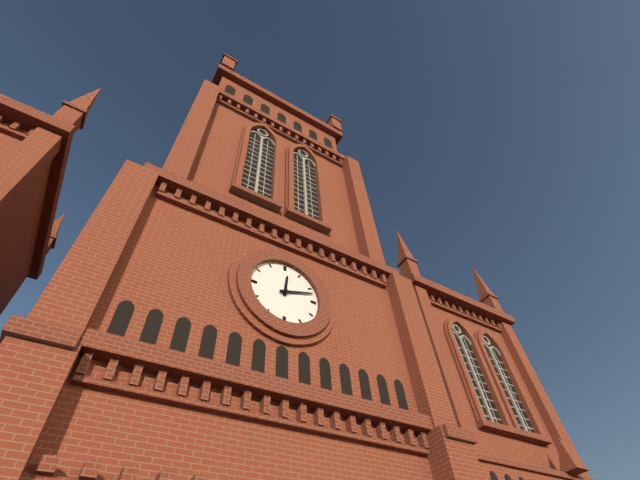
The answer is 12:12
